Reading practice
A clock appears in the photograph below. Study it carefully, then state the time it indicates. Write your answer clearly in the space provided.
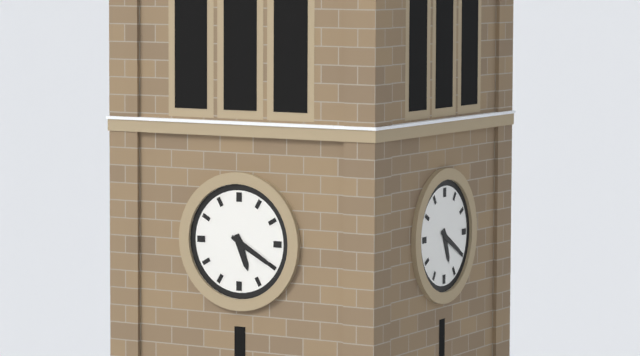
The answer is 5:20
